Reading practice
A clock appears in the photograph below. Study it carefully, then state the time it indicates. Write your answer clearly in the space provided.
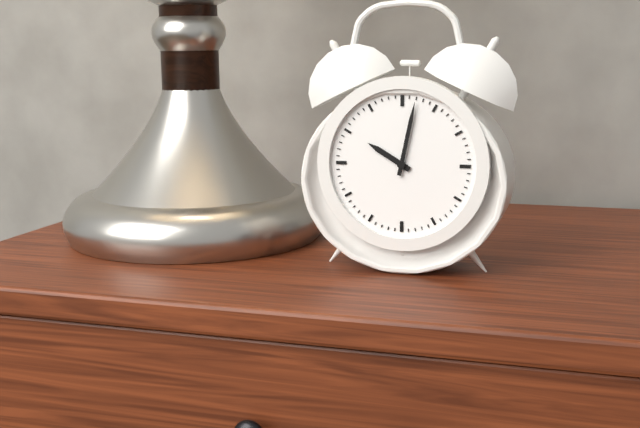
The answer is 10:02
